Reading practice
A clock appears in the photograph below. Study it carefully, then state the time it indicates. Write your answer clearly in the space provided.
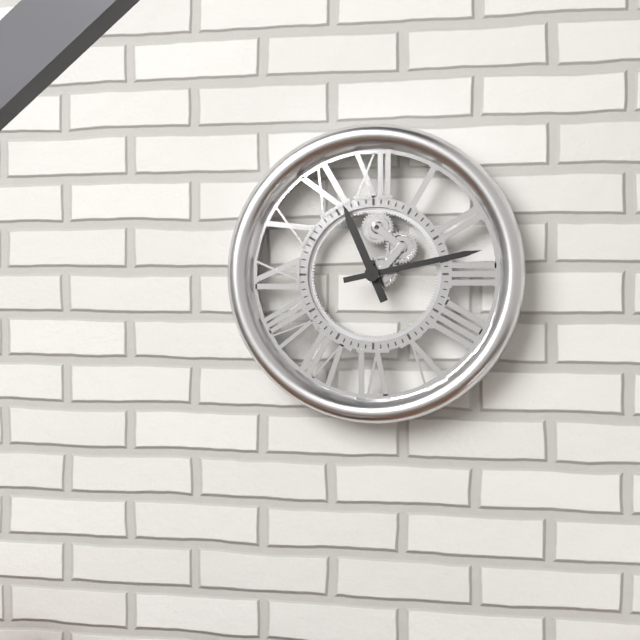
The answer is 11:13
